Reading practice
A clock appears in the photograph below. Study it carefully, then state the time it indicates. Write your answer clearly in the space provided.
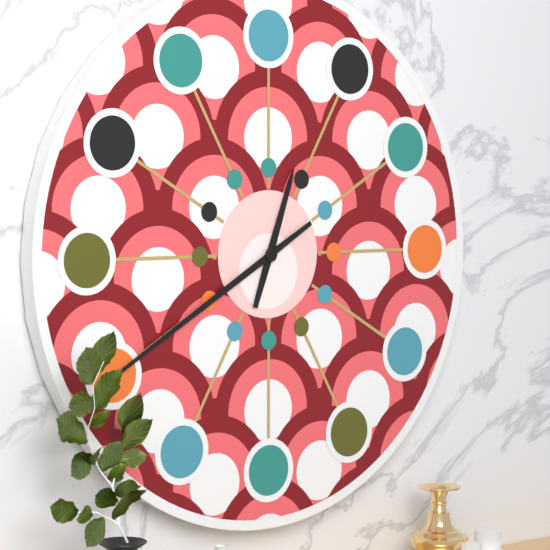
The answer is 12:40
